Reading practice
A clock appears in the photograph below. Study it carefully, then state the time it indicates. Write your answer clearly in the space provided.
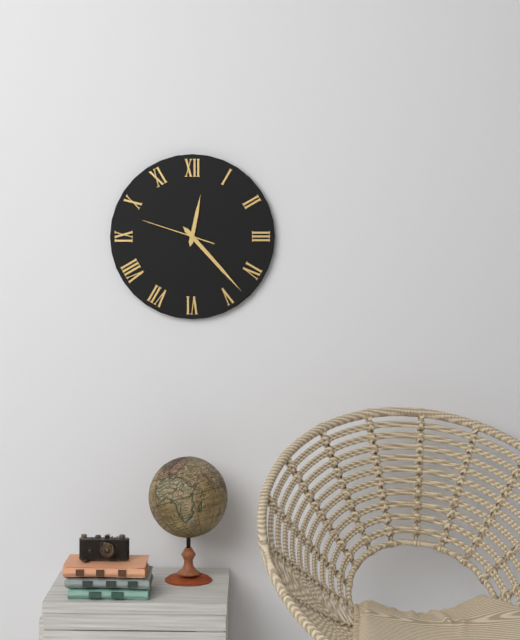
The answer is 12:23:48
